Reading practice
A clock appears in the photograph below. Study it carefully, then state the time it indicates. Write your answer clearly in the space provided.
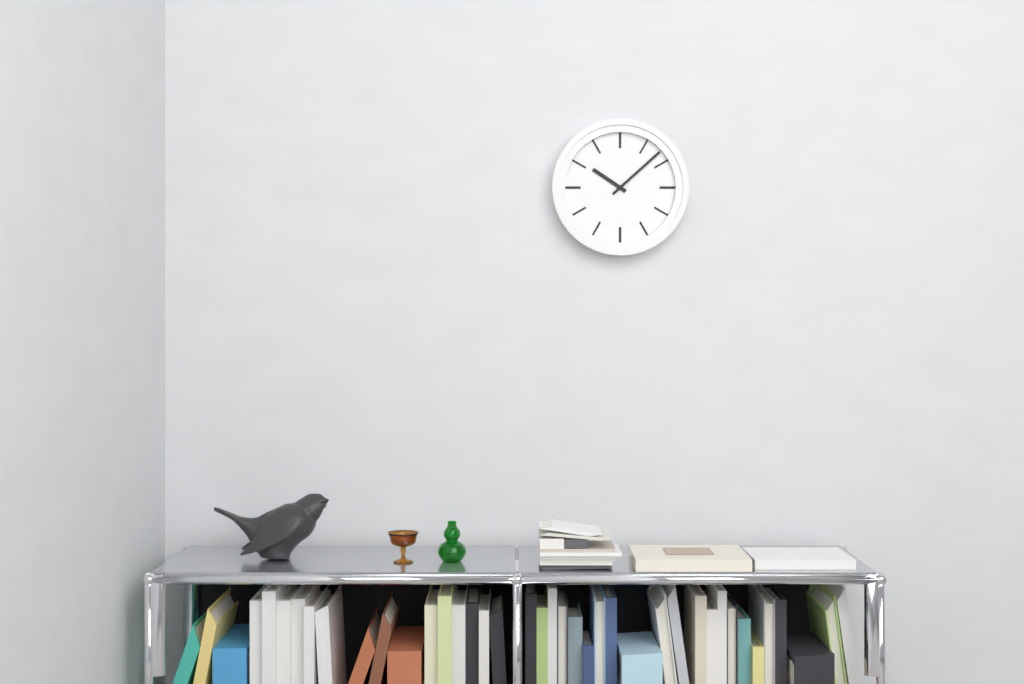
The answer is 10:08
